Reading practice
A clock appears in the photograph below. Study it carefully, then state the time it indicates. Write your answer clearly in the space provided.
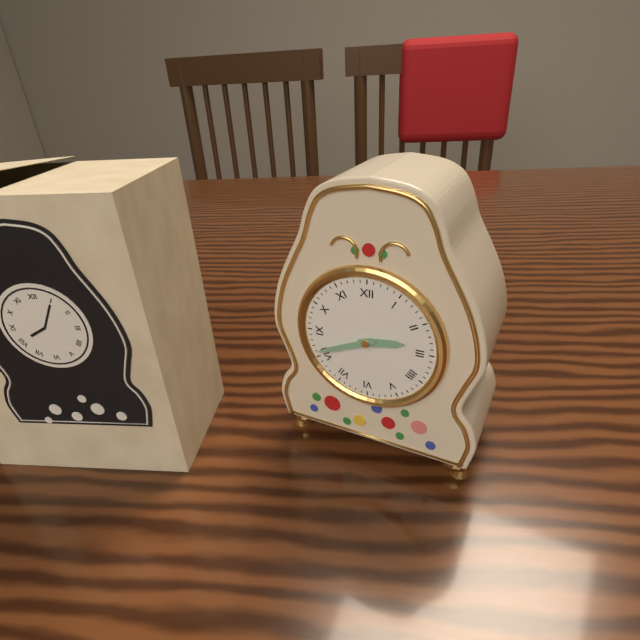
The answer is 2:41
